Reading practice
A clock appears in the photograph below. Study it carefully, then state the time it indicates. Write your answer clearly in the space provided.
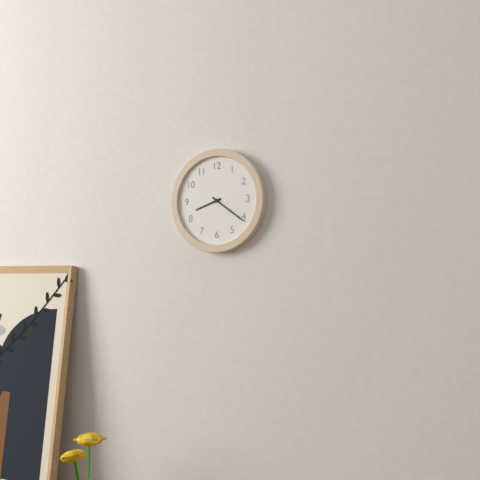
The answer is 8:21
